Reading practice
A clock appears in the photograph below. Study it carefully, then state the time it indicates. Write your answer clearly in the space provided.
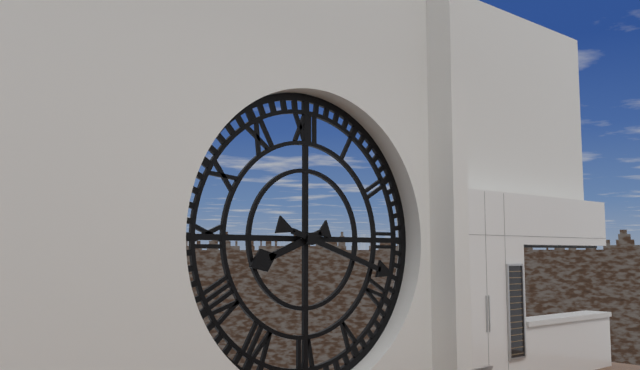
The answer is 8:18
